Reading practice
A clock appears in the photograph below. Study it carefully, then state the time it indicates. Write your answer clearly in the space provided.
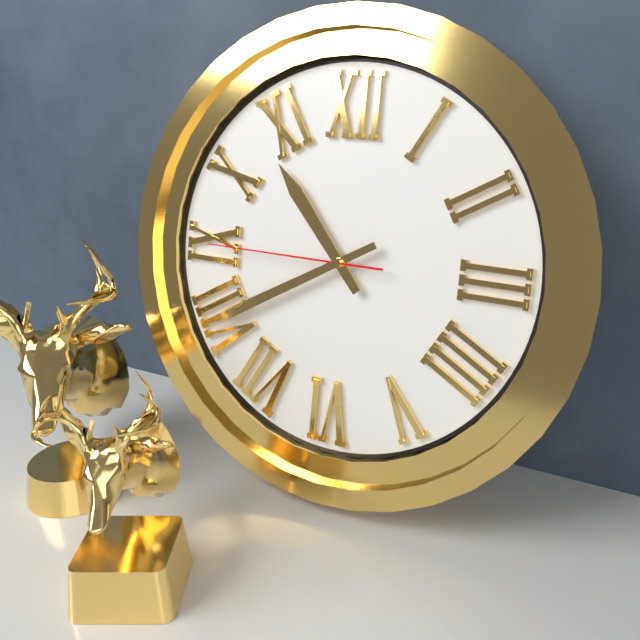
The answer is 10:40:45
